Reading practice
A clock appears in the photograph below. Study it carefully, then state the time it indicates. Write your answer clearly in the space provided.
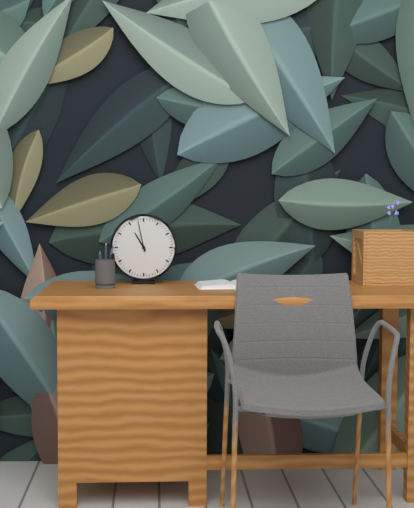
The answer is 10:58
